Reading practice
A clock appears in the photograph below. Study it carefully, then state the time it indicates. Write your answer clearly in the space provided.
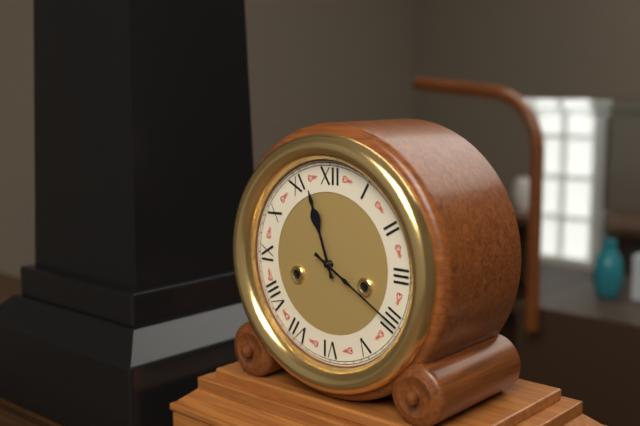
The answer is 11:20
